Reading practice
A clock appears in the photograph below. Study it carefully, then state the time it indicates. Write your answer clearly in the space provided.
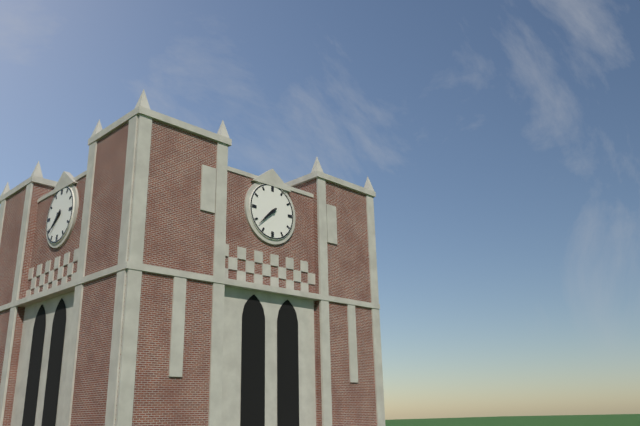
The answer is 7:38
